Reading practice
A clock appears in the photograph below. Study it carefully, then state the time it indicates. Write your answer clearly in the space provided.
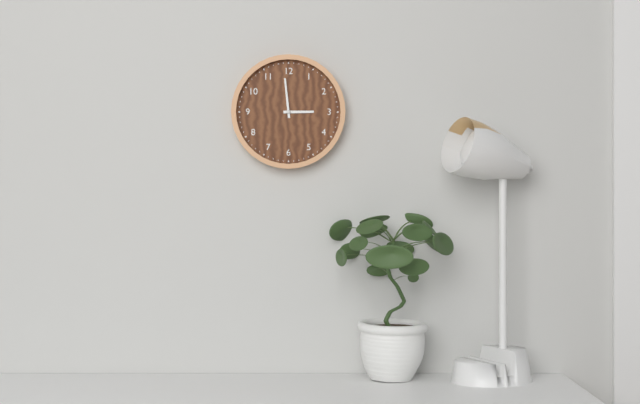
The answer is 2:59
